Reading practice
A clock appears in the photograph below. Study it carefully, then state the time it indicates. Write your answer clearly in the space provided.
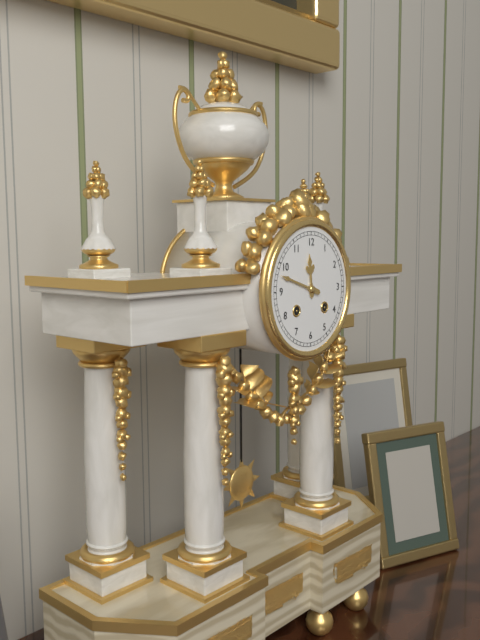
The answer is 11:48
